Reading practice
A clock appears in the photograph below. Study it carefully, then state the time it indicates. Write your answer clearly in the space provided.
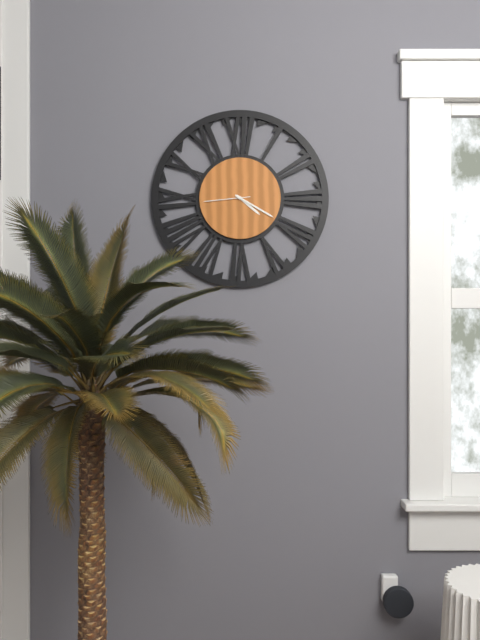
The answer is 4:20
